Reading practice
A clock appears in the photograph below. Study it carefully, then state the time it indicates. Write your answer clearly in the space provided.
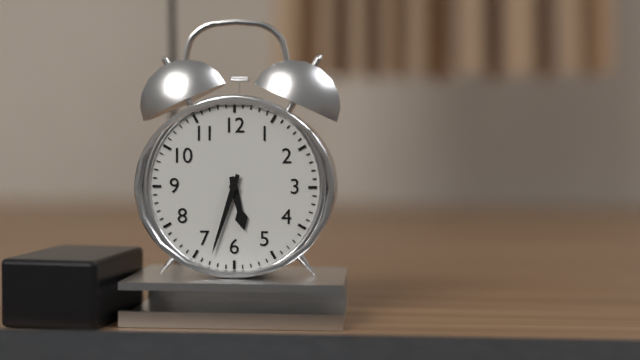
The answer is 5:33
